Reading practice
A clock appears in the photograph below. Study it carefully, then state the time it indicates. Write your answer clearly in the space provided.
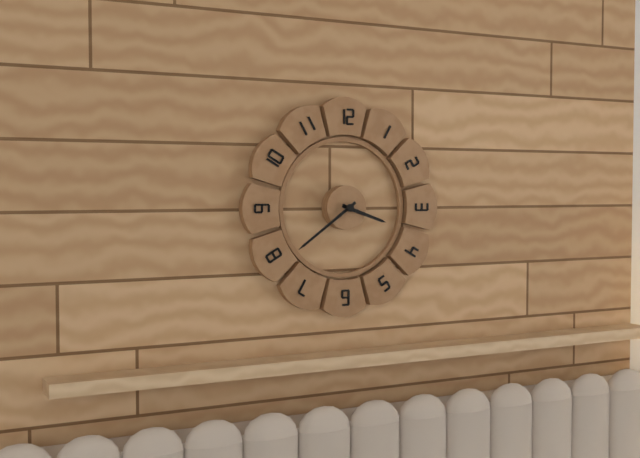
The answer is 3:39
